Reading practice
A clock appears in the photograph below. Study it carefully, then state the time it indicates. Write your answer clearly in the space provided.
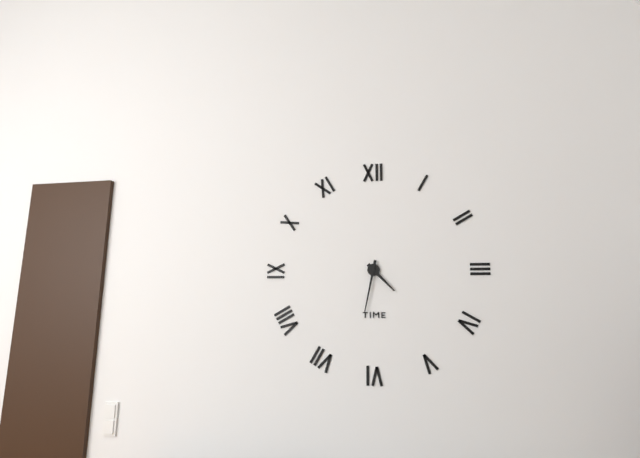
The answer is 4:32
